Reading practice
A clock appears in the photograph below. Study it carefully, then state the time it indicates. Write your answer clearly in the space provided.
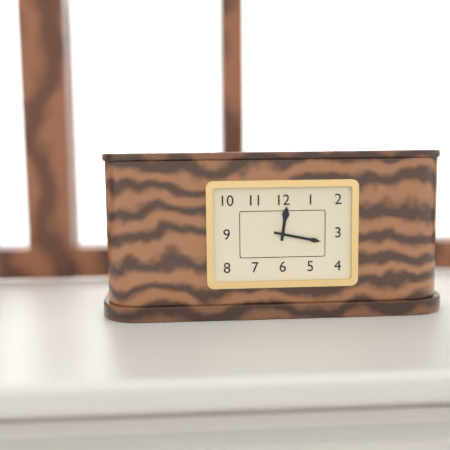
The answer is 12:17
